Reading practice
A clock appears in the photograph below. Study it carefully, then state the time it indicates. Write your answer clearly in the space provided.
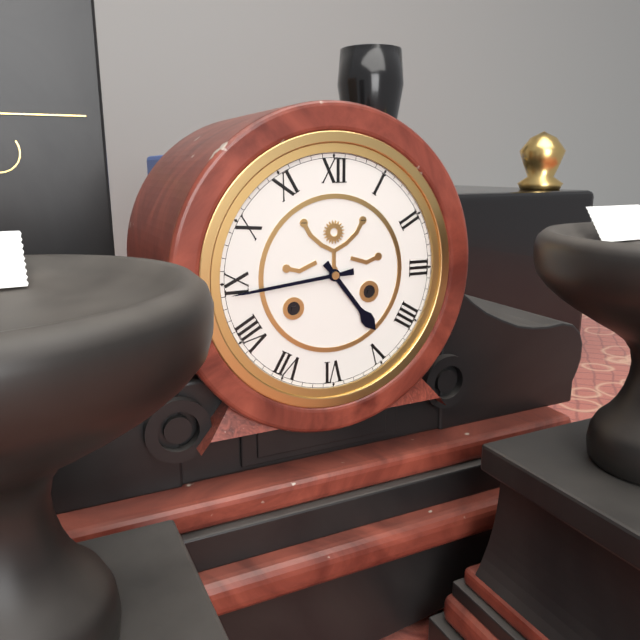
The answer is 4:44
